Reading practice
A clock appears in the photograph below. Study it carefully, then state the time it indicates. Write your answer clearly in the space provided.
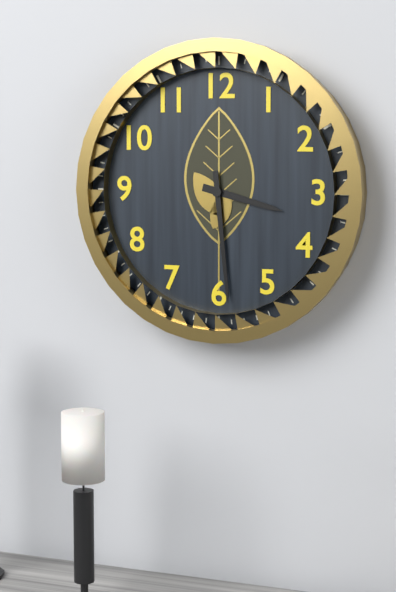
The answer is 3:29
